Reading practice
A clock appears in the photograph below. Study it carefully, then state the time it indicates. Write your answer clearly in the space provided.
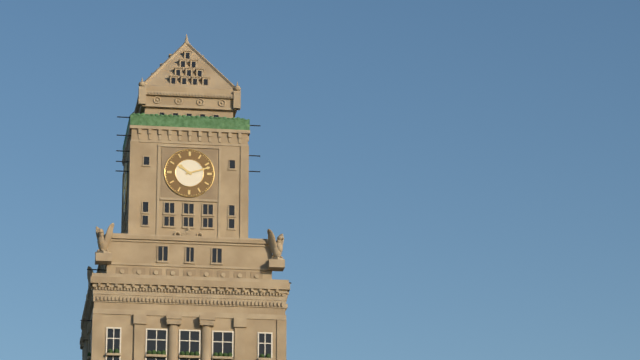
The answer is 10:12
